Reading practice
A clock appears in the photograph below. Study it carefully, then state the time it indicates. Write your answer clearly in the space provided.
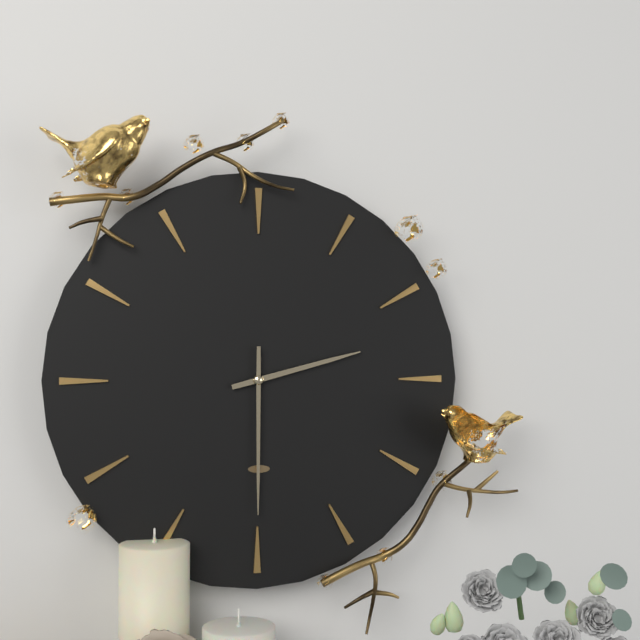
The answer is 2:30
